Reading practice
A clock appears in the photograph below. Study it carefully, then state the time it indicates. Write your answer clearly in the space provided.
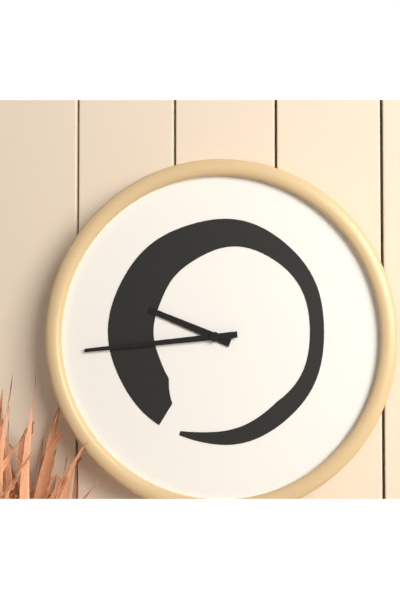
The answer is 9:44
